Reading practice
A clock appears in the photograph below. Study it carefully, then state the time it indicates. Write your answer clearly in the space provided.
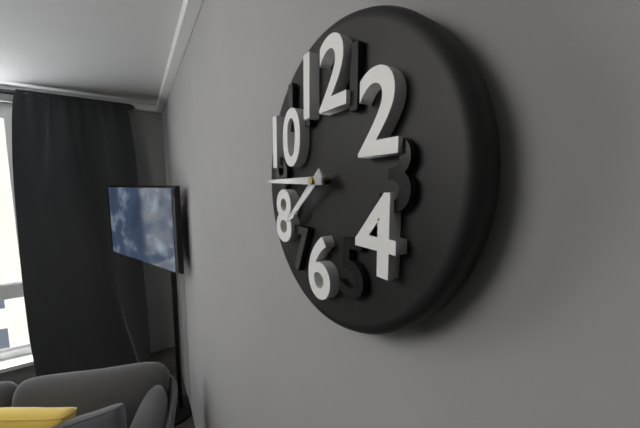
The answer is 7:45
